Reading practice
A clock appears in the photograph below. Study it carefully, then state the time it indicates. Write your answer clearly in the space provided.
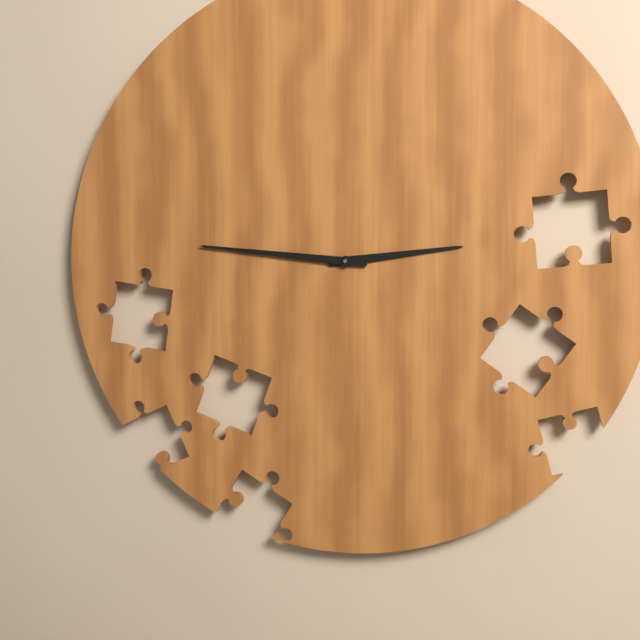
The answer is 2:46
